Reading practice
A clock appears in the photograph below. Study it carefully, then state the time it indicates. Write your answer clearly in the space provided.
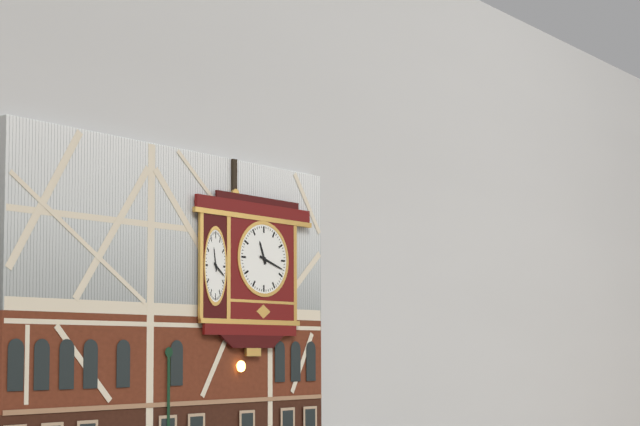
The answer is 11:18
